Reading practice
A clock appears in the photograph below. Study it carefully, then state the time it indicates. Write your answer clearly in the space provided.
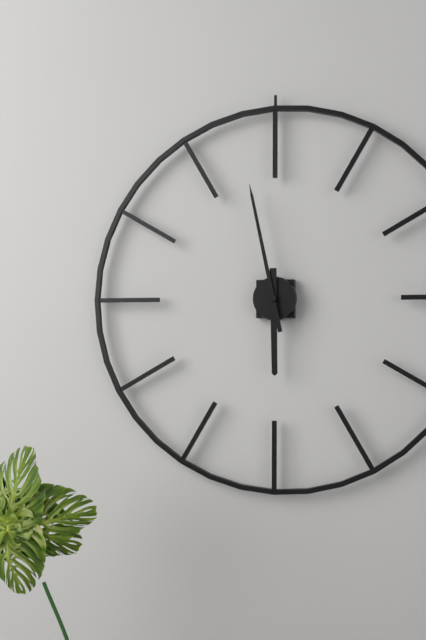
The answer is 5:58
